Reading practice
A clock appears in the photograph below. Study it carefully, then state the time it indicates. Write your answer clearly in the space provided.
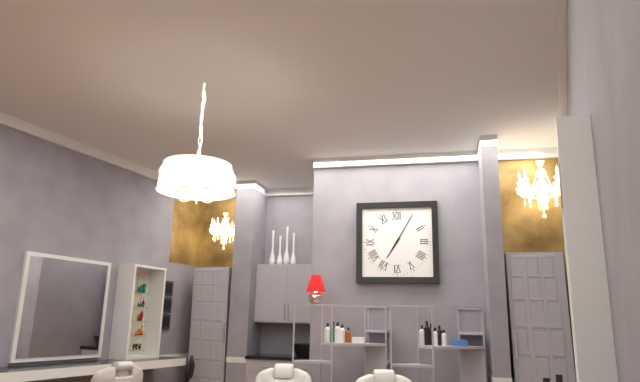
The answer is 7:05
